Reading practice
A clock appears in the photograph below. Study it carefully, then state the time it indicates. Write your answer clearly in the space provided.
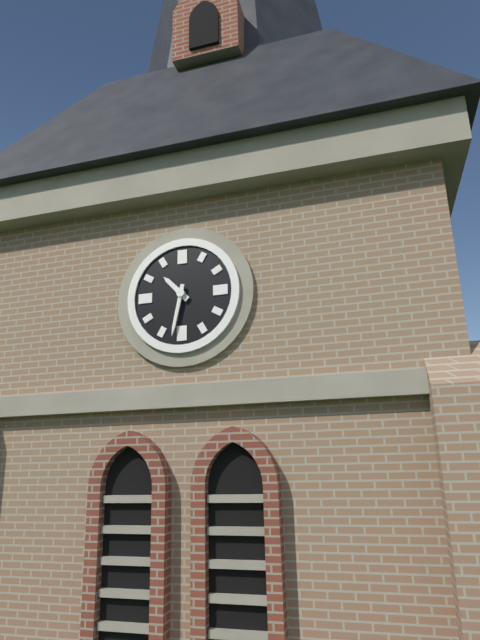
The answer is 10:32
